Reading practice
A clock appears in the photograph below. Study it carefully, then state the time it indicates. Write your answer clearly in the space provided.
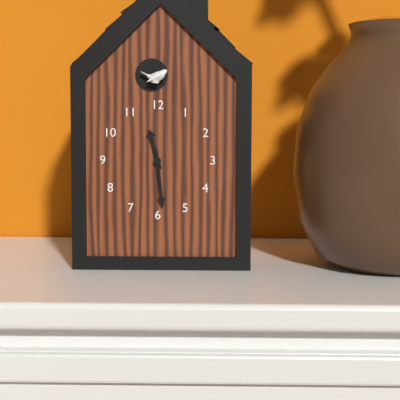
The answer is 11:29
